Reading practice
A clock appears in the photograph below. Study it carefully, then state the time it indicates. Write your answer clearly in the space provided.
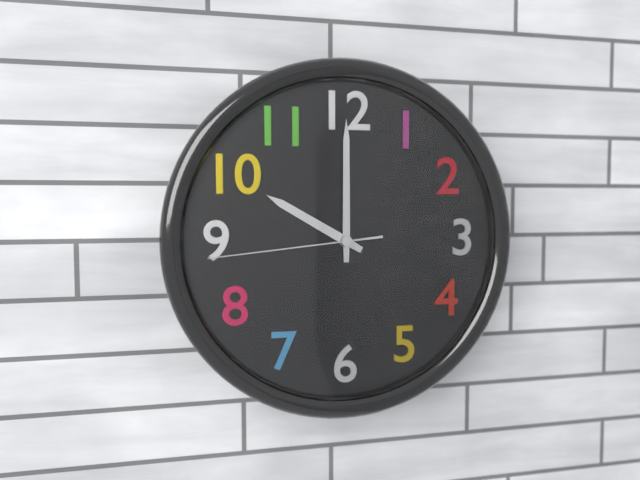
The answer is 10:00:44
